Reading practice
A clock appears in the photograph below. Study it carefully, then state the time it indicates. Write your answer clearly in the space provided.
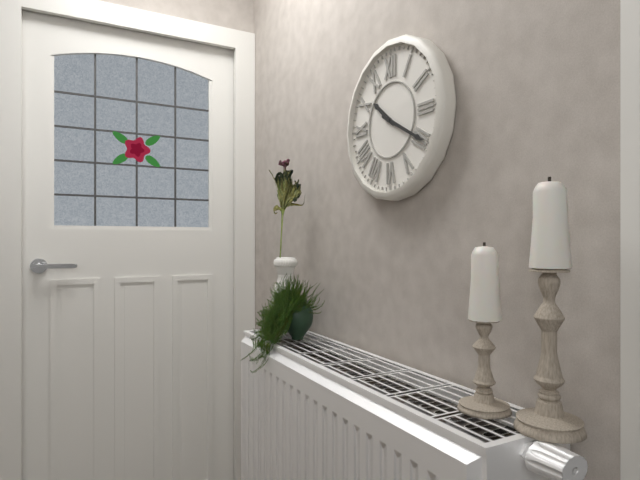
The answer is 10:20
